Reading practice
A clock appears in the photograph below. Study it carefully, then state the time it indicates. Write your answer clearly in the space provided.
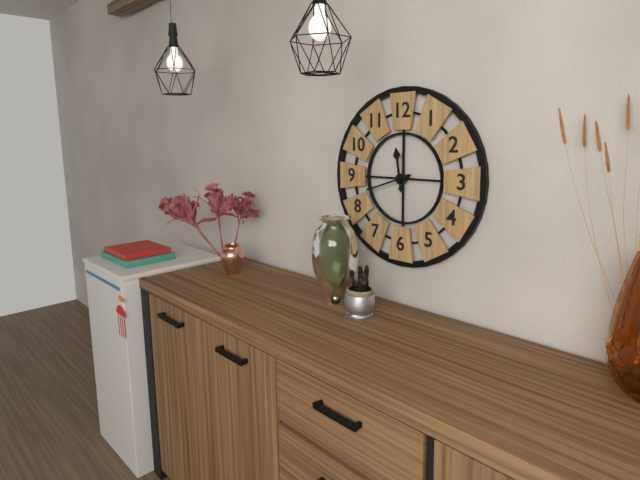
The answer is 11:42
